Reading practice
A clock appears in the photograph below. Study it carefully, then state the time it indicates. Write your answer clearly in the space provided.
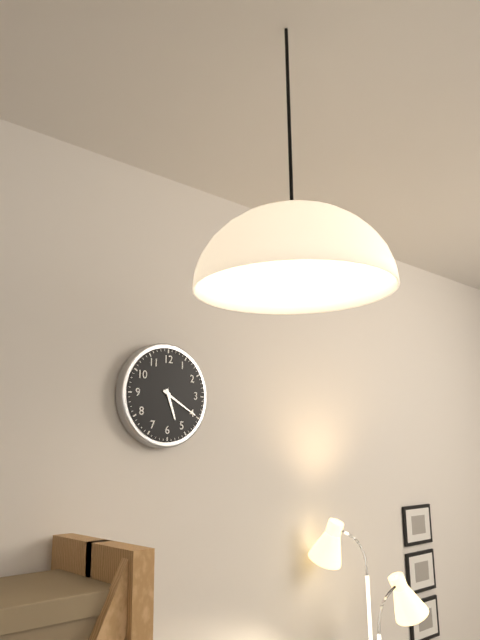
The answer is 5:20
